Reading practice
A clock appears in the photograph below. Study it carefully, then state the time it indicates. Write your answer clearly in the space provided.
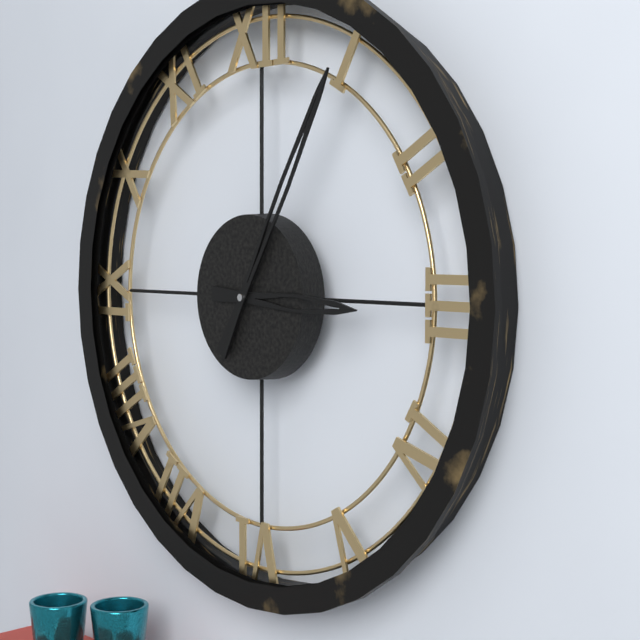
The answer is 3:05
